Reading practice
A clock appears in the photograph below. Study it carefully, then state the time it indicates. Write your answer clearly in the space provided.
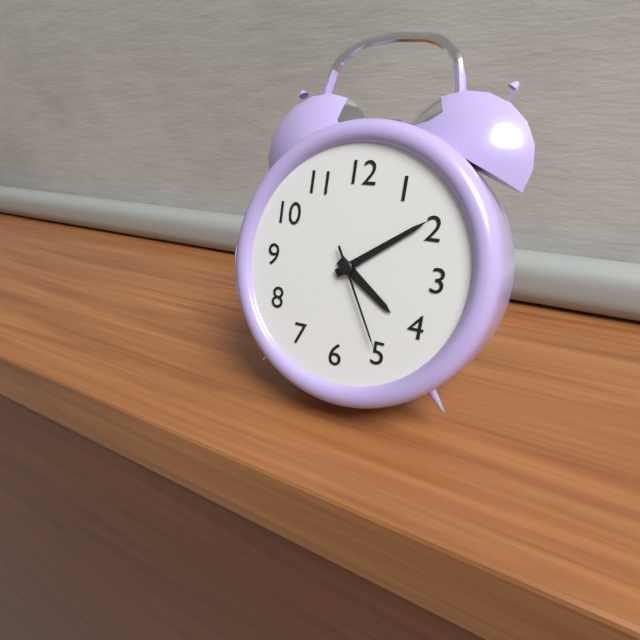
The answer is 4:09:25
